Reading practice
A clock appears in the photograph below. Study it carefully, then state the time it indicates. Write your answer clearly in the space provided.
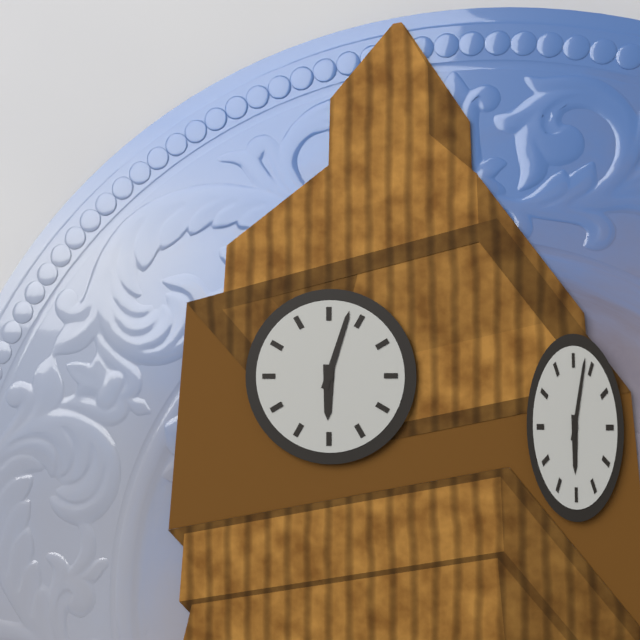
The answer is 6:03
